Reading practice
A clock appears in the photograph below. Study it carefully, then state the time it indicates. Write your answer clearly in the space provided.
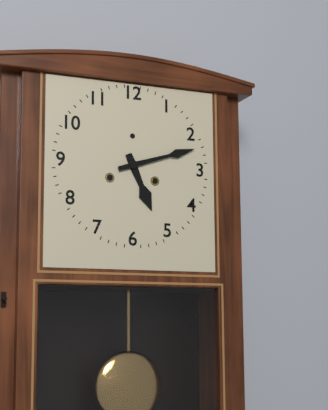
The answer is 5:12
